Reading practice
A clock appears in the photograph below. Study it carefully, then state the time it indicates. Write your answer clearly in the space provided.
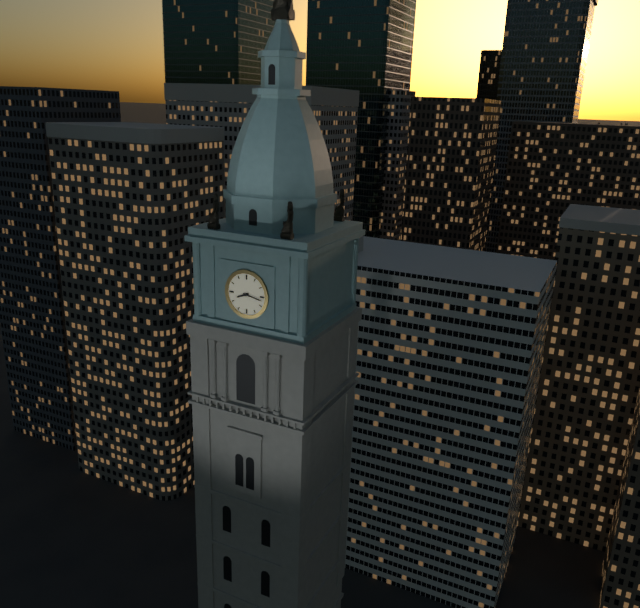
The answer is 8:17
